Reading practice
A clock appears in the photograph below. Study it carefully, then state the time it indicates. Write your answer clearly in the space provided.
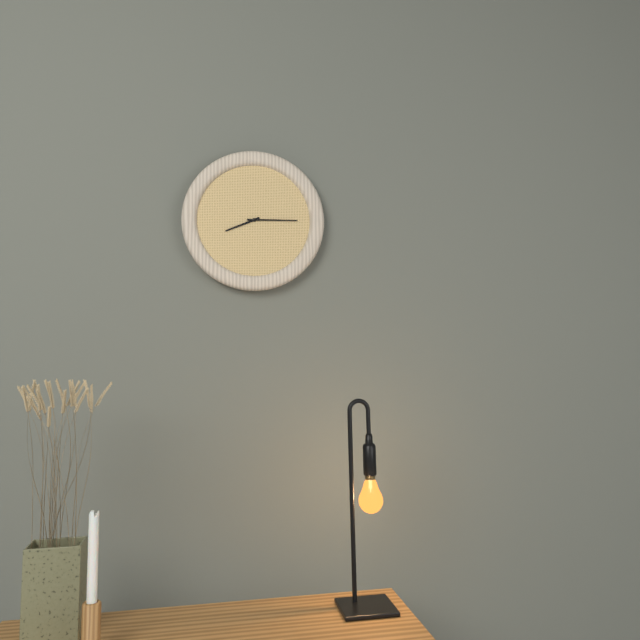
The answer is 8:15
